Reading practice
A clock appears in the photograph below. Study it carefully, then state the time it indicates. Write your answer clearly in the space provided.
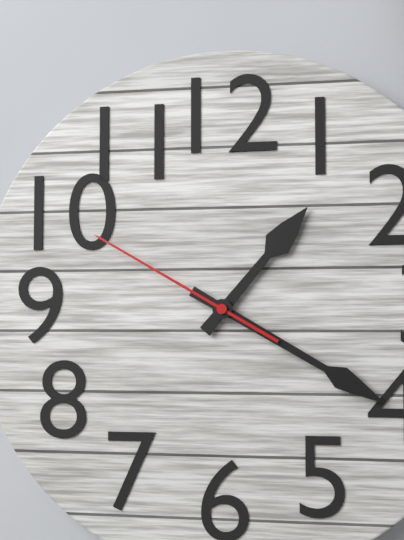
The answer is 1:20:50
